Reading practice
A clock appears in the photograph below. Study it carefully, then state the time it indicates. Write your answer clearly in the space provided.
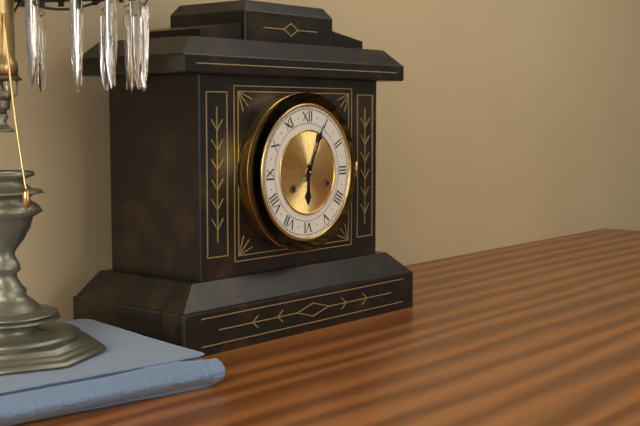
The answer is 6:04
